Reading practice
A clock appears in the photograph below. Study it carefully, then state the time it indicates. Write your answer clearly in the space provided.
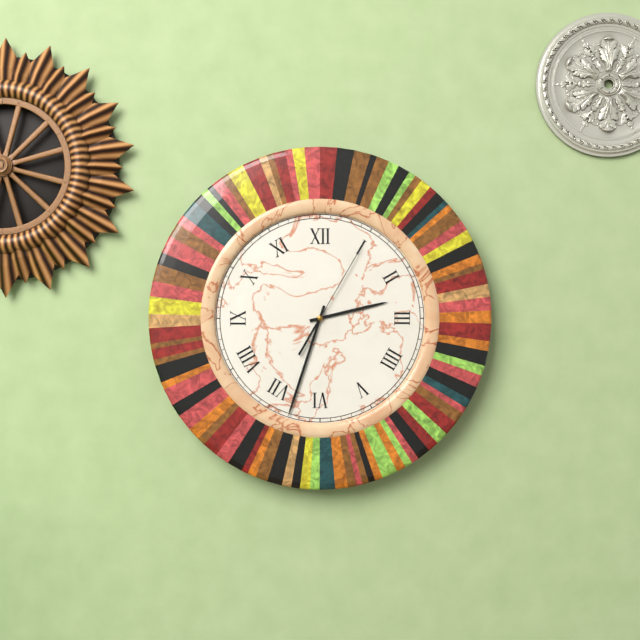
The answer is 2:33:05
